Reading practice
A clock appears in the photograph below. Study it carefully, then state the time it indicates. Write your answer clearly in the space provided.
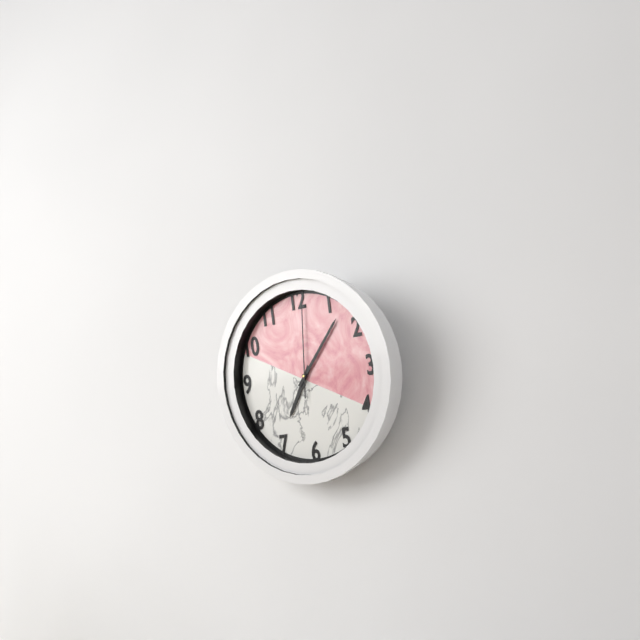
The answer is 7:07:01
